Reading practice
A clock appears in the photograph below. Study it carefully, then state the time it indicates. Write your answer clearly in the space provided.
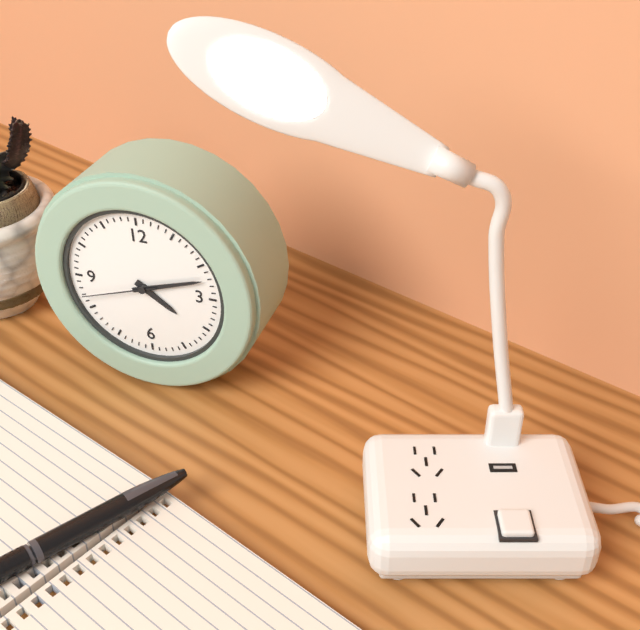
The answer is 4:12:42
